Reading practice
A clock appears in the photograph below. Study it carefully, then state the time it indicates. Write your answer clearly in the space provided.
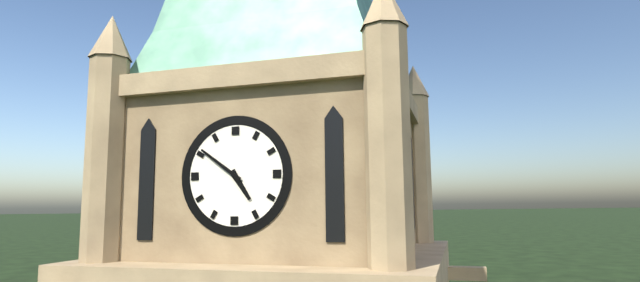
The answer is 4:51
